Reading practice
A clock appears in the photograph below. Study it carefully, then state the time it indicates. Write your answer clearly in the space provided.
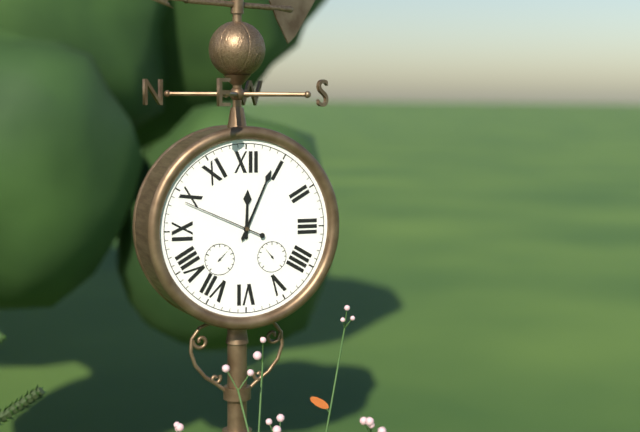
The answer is 12:04:49
